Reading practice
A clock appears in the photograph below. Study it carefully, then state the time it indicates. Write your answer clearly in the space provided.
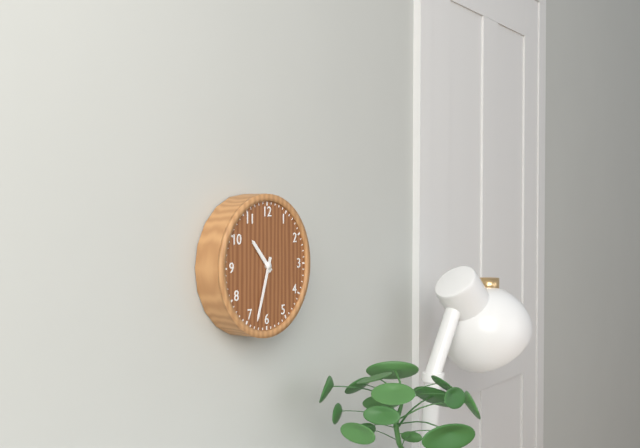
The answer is 10:33
